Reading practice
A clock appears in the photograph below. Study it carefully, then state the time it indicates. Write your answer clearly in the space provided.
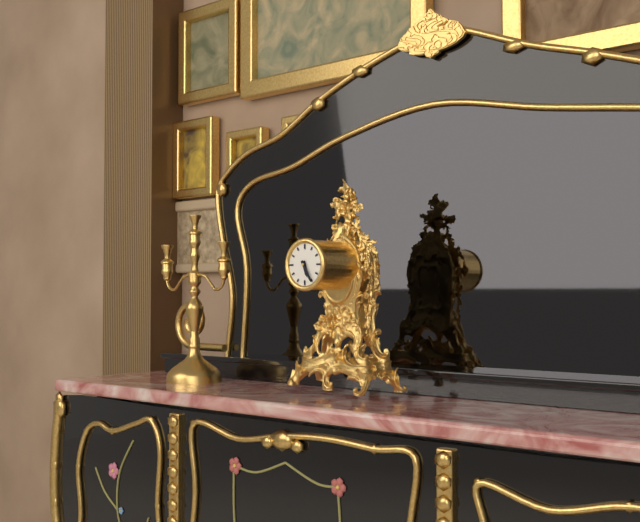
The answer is 5:25
